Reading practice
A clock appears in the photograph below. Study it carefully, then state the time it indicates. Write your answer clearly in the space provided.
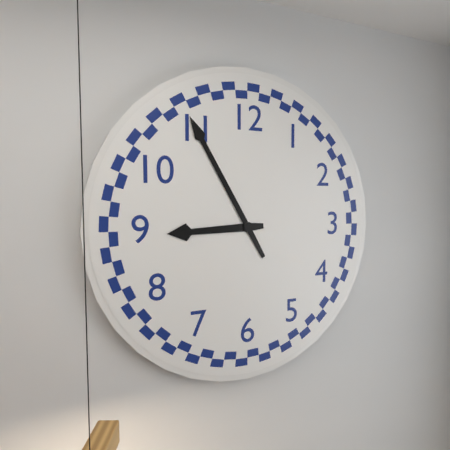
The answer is 8:55
